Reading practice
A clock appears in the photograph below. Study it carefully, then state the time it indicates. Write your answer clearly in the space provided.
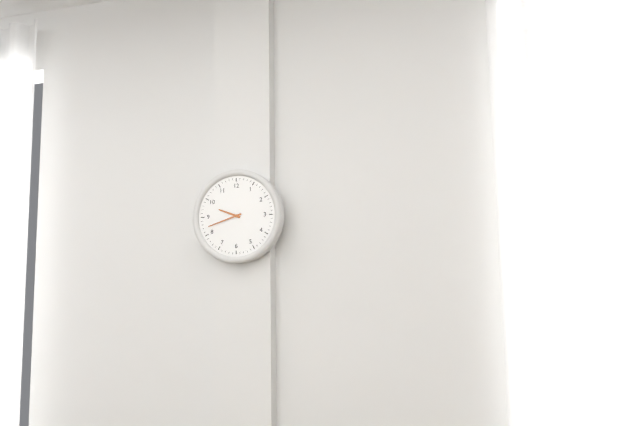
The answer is 9:42
